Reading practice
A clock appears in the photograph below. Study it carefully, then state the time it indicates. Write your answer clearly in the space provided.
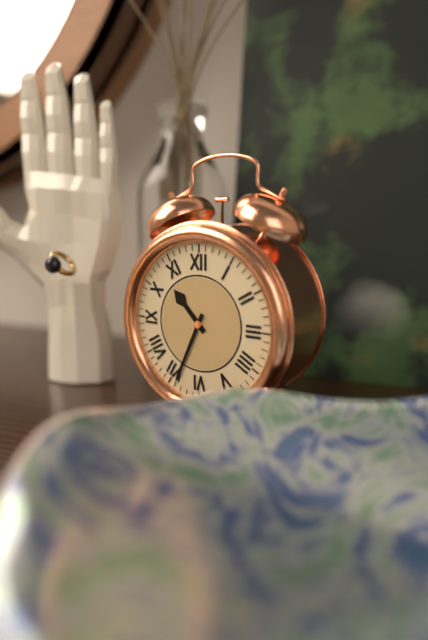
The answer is 10:34
